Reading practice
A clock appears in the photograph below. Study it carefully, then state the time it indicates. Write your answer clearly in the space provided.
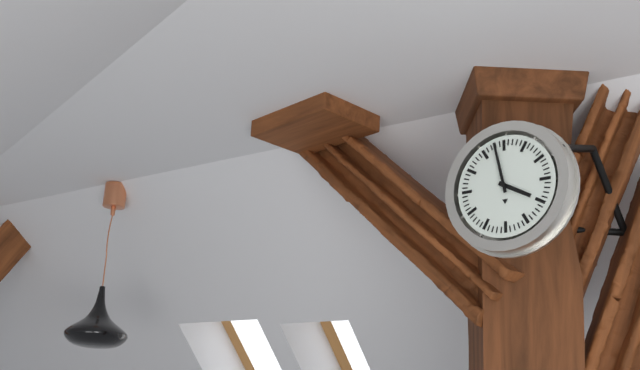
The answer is 3:58
